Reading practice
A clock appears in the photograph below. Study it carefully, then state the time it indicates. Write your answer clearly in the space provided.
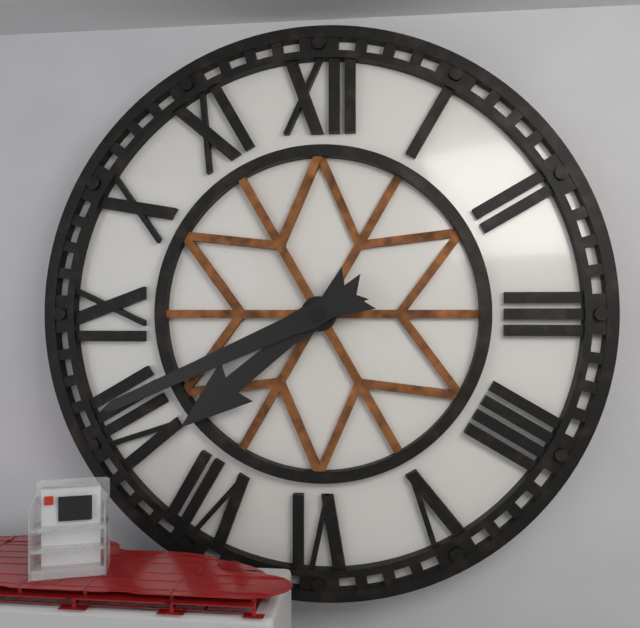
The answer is 7:41
